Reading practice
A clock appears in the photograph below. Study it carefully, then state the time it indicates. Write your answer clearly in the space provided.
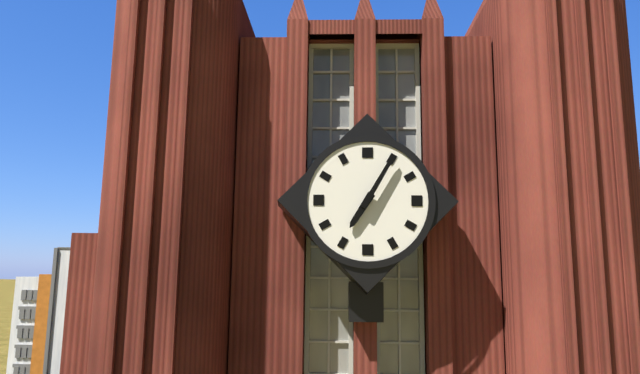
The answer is 7:05
